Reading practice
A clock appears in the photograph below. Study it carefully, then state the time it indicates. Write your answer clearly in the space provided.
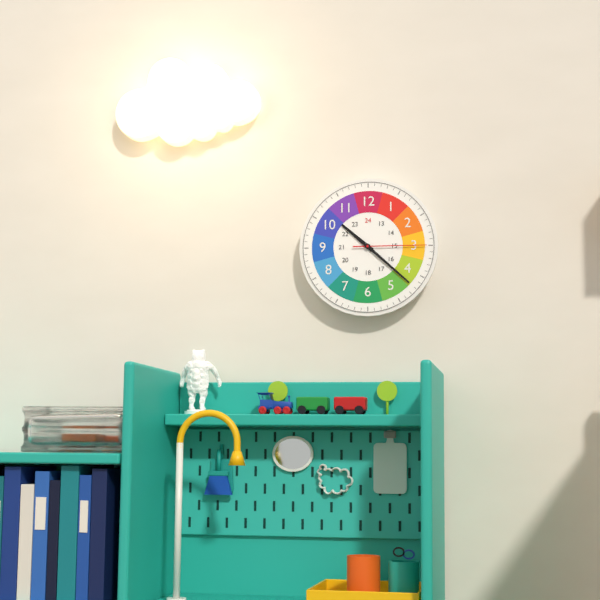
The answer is 10:22:15
